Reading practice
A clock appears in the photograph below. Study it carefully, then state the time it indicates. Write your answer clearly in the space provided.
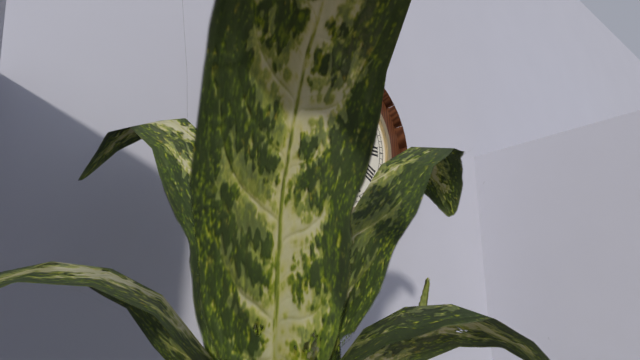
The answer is 8:38
